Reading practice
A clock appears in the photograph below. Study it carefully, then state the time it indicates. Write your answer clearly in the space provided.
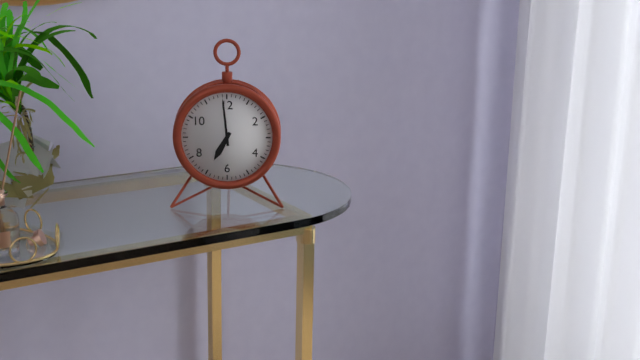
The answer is 6:59
